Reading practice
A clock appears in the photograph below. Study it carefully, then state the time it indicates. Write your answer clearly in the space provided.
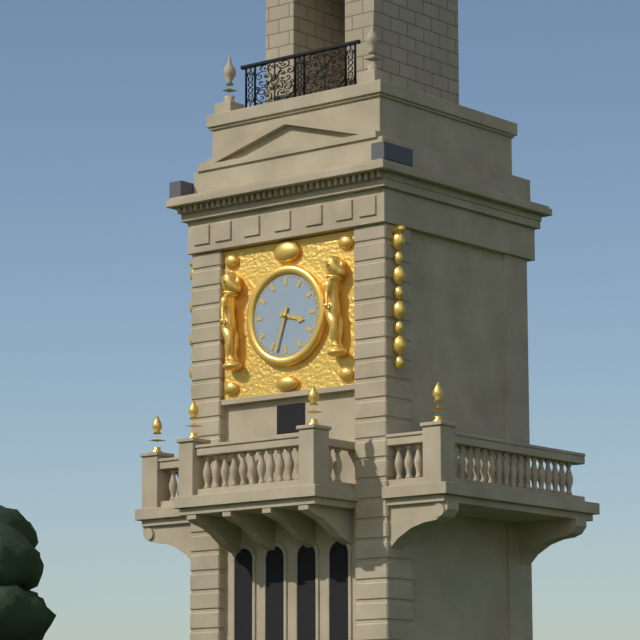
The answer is 3:33
